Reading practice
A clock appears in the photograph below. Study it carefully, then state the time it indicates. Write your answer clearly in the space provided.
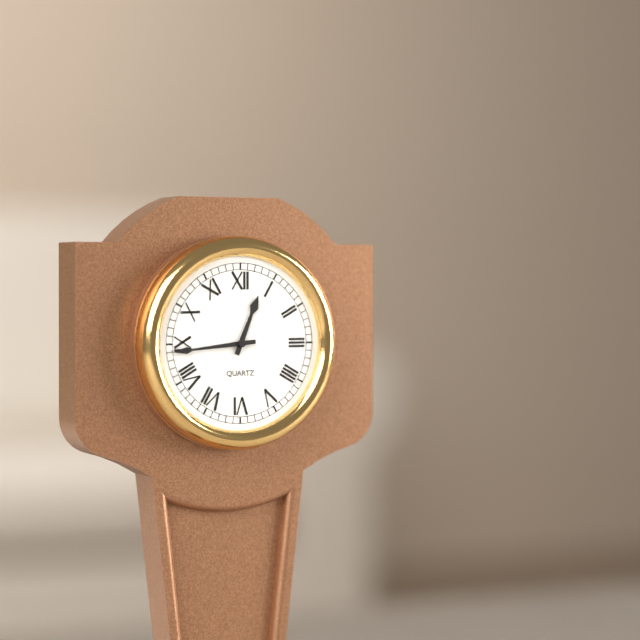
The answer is 12:44
